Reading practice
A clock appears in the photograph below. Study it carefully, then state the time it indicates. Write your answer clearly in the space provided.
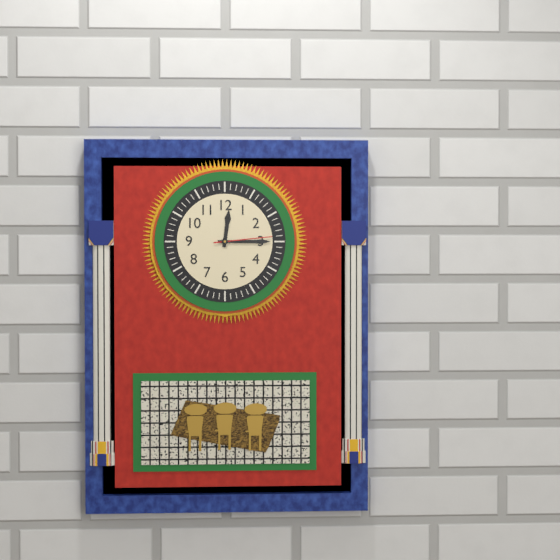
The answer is 12:15:14
